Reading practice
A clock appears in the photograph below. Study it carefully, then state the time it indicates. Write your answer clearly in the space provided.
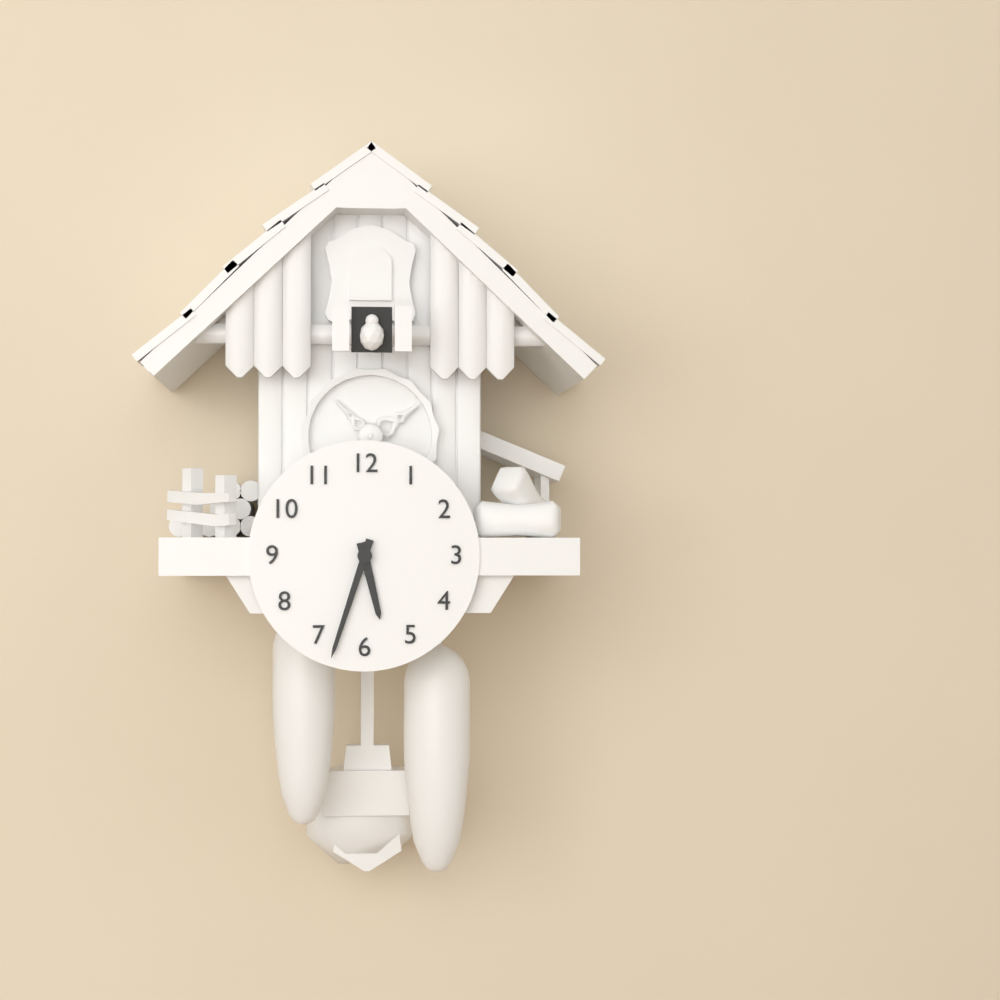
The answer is 5:33
